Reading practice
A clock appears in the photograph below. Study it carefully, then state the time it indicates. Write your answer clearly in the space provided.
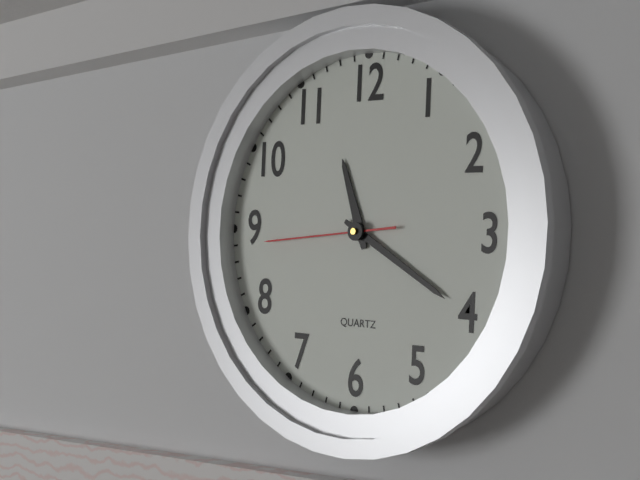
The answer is 11:20:44
